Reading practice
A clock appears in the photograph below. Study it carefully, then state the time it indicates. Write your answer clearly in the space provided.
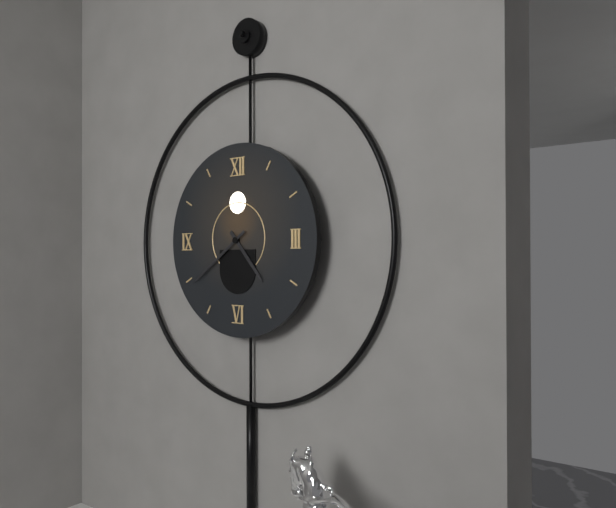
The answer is 4:39
